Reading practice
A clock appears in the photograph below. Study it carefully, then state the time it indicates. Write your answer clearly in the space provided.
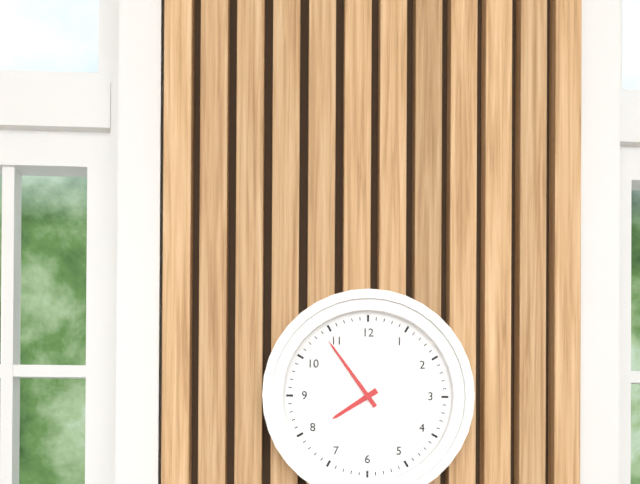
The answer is 7:54
